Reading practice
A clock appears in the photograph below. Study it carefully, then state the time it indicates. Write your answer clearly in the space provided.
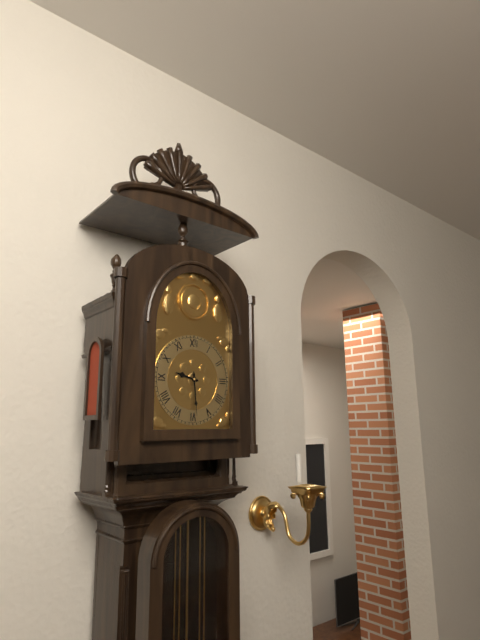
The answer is 9:29
